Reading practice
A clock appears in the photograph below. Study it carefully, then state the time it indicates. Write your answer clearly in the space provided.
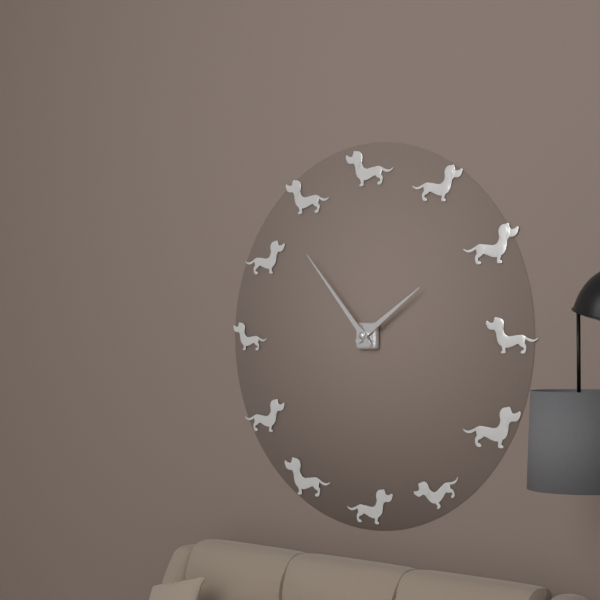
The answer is 1:53
